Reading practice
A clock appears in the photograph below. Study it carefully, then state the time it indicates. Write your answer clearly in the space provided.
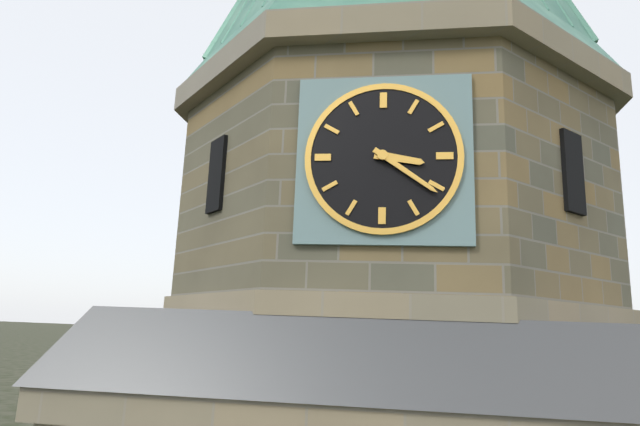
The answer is 3:21
